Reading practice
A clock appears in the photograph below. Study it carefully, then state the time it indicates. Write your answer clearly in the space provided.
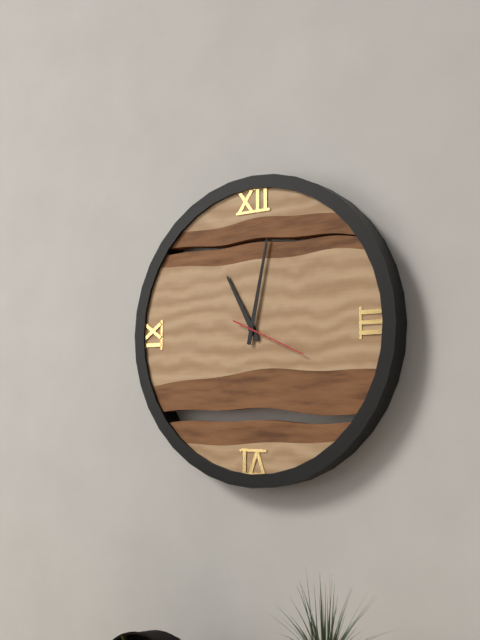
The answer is 11:02:19
